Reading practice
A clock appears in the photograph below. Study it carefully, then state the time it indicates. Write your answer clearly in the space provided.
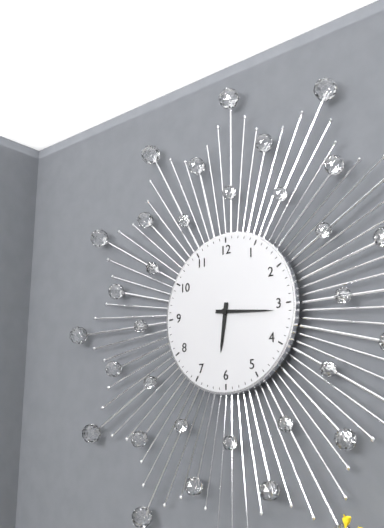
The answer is 6:16
